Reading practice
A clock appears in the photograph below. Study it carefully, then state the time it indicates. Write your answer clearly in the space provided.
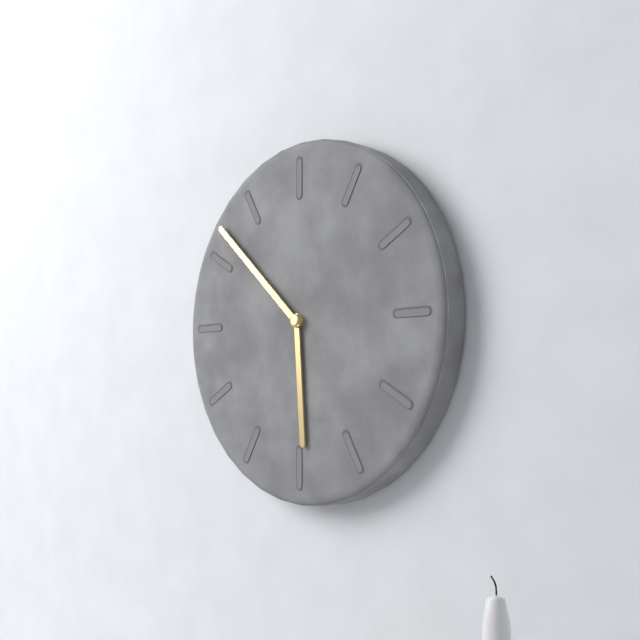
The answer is 5:52
